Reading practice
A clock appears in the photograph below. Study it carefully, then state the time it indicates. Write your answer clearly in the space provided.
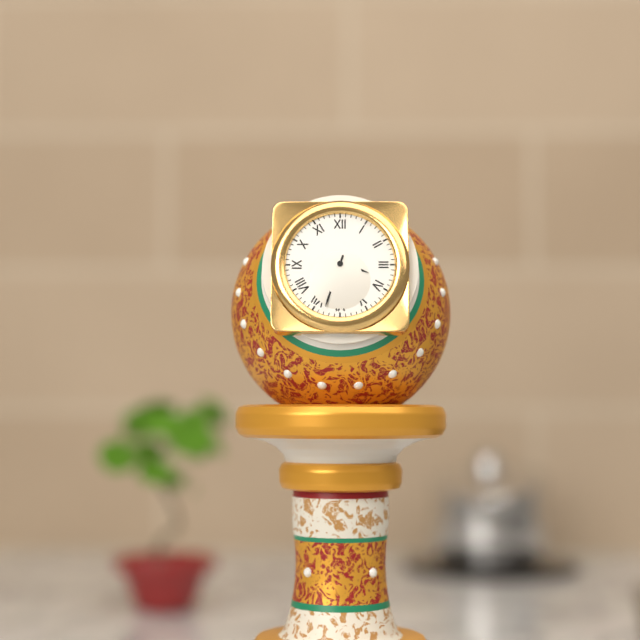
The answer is 3:33
